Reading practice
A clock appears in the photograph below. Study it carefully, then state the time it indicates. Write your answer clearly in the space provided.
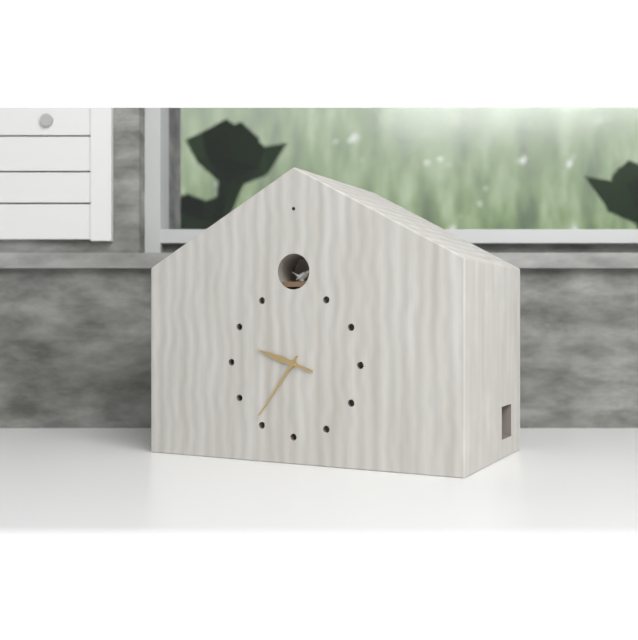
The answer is 9:36
